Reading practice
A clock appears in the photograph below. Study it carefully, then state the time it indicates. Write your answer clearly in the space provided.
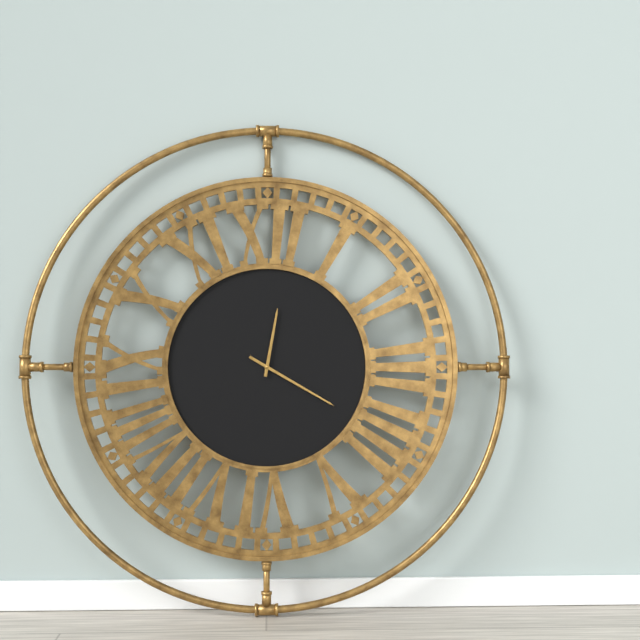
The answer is 12:20
